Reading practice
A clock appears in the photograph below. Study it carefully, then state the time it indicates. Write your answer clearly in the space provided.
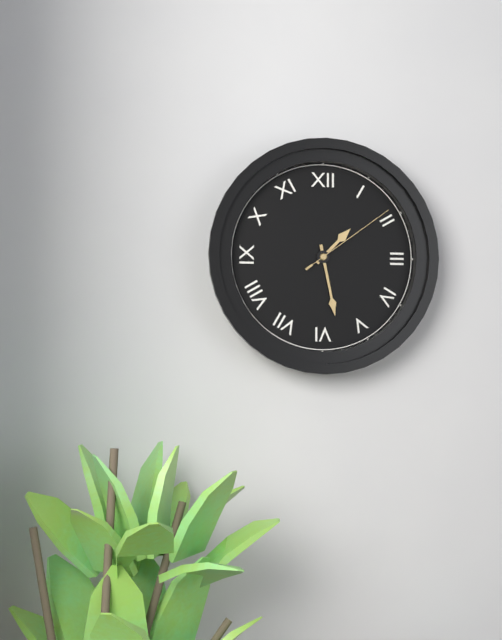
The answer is 1:28:09
